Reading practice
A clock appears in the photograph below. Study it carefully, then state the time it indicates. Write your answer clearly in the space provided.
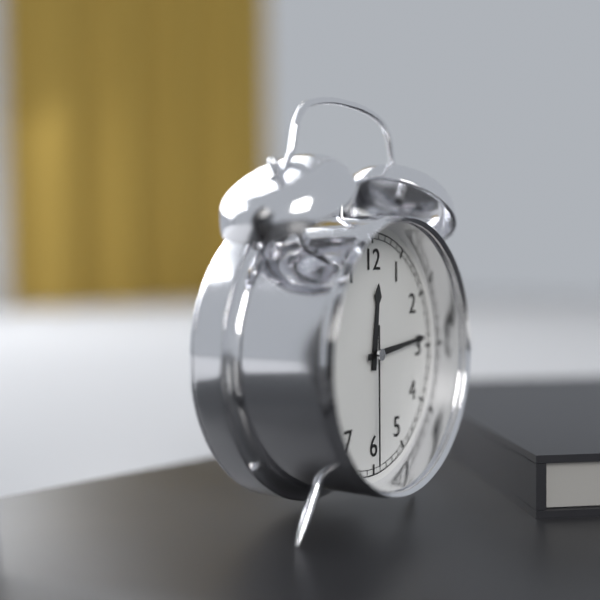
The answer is 12:14:30
